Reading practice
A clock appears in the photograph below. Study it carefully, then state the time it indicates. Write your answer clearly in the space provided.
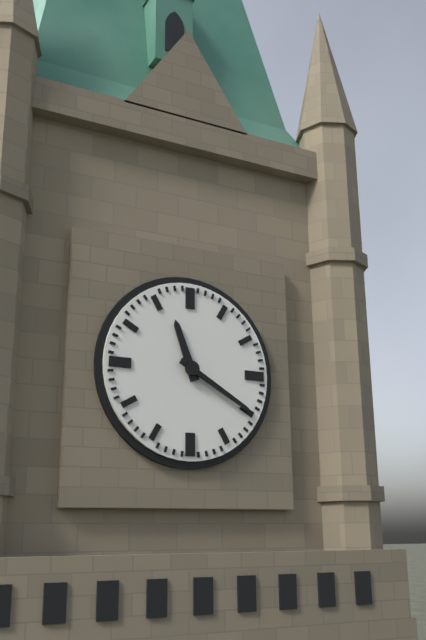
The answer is 11:20
